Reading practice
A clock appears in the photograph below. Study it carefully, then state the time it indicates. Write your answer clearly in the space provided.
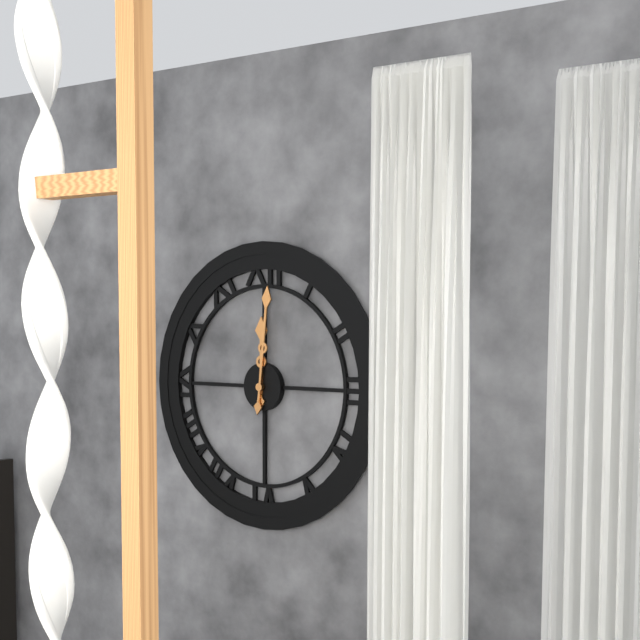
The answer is 12:01
